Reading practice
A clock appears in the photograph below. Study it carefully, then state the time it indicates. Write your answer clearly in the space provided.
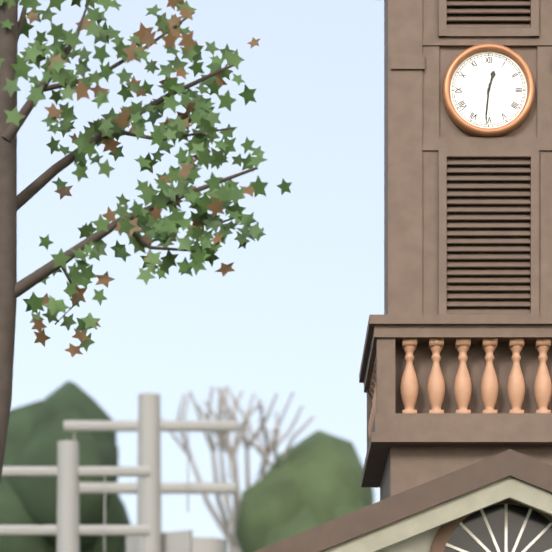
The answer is 12:31
